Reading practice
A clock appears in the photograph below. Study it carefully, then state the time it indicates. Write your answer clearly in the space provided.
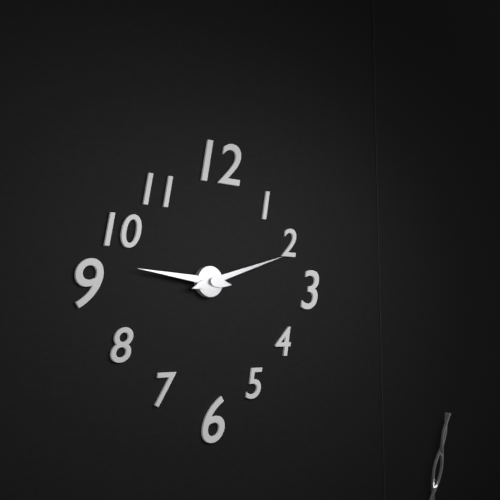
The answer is 9:12
